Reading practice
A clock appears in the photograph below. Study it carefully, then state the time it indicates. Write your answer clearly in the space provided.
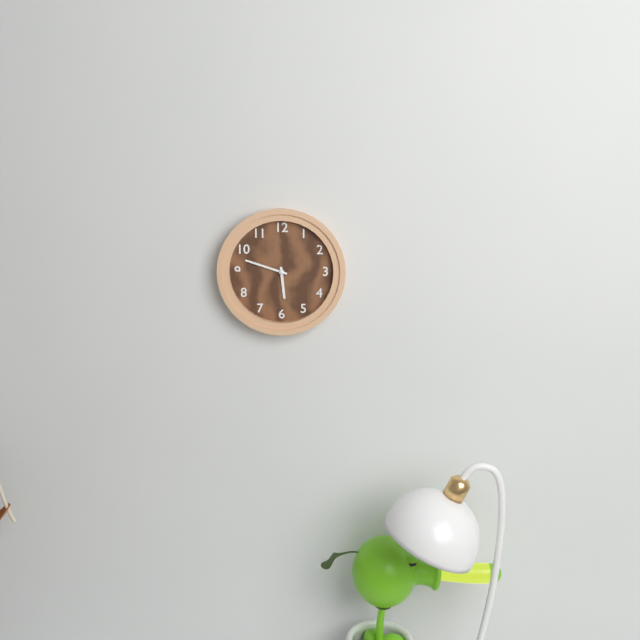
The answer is 5:48
